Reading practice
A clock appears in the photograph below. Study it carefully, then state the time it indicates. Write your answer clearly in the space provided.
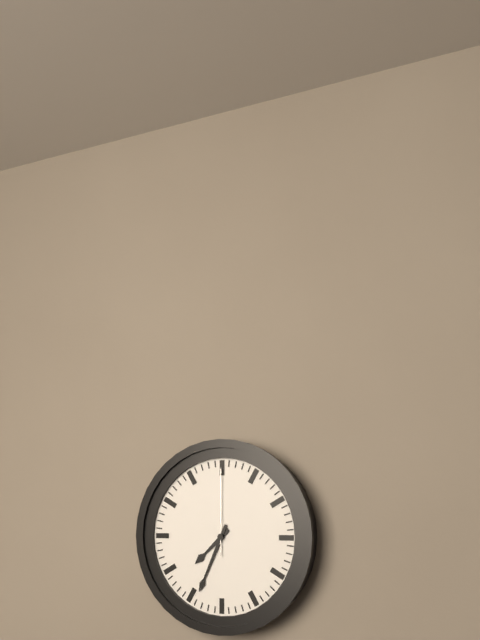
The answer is 7:34:00
